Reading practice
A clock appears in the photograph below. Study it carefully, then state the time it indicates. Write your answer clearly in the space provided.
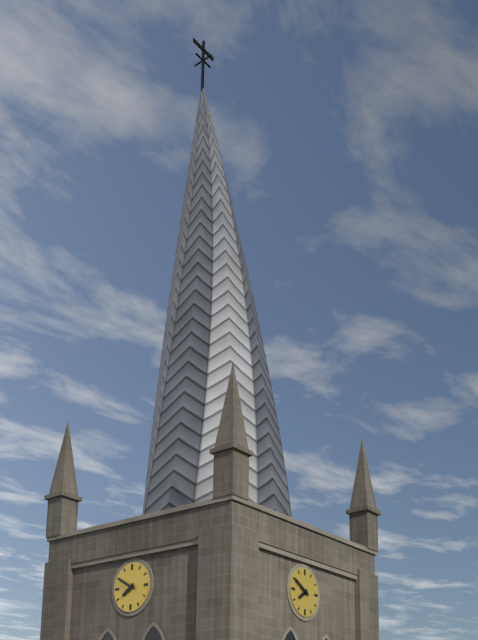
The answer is 7:50
